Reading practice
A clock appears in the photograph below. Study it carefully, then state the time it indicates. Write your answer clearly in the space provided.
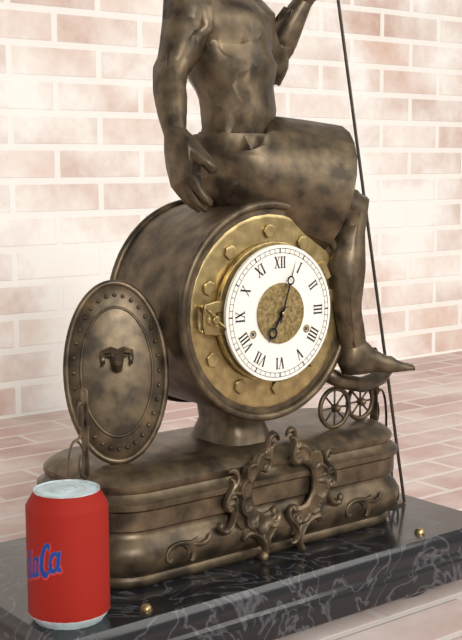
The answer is 7:03
